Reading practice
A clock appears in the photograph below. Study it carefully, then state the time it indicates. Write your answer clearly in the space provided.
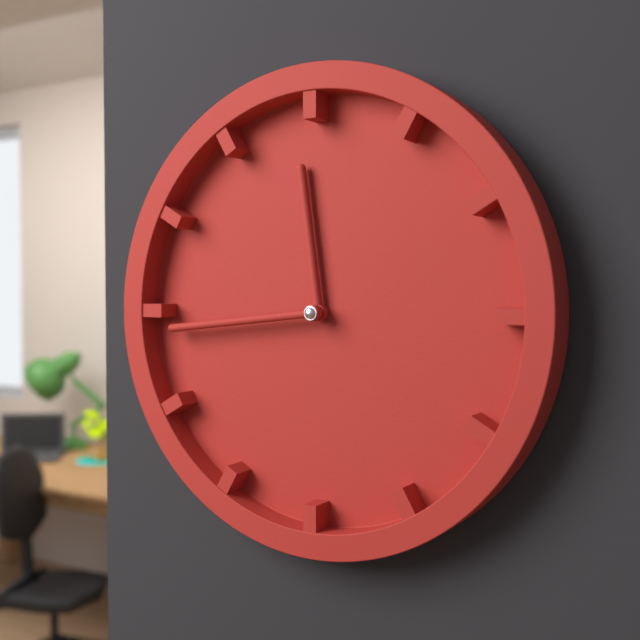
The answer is 11:44
